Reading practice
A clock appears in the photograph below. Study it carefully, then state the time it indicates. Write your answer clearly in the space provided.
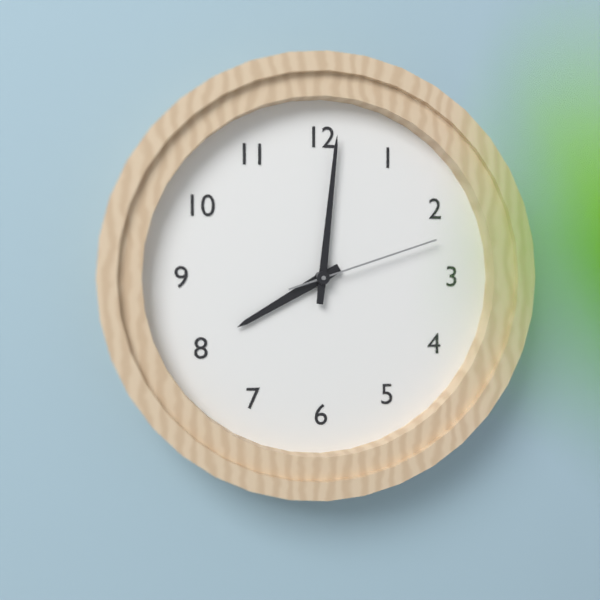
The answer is 8:01:12
